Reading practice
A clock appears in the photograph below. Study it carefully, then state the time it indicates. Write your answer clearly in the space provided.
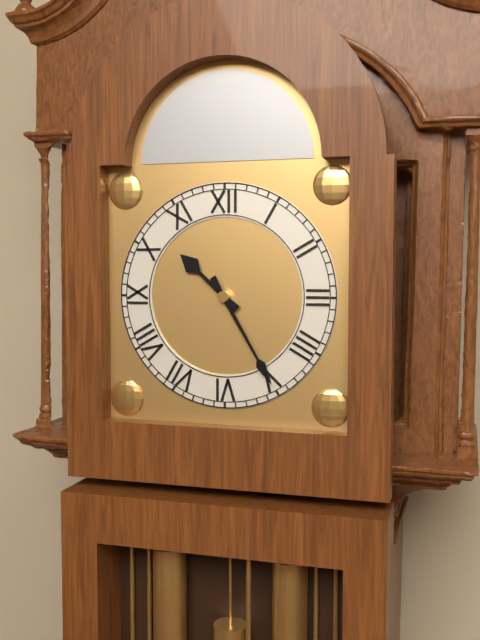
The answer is 10:25
